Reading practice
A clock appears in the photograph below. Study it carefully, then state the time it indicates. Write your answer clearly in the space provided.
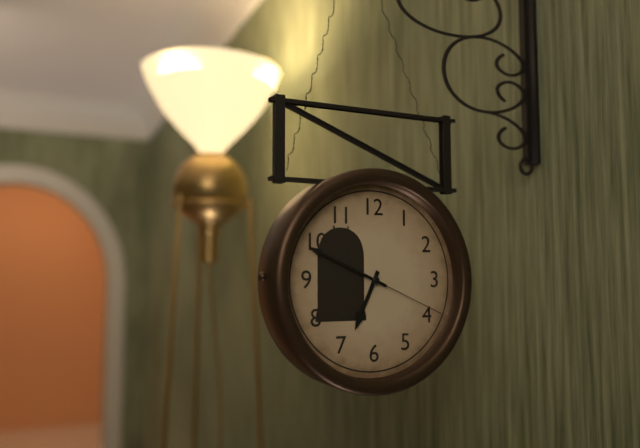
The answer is 6:49:19
